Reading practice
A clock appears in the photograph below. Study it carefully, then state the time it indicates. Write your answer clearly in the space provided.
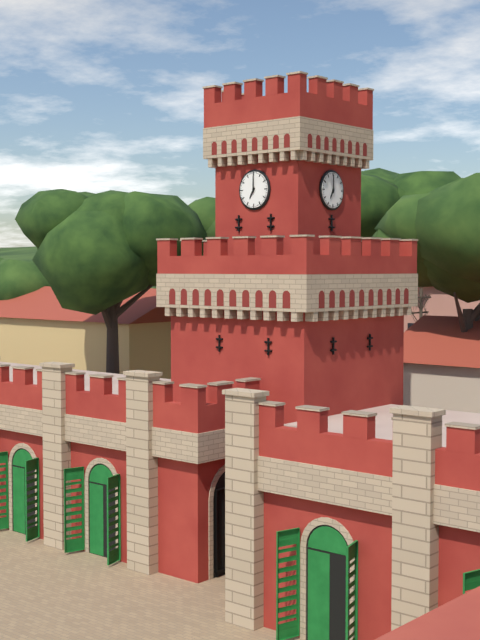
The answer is 7:00
